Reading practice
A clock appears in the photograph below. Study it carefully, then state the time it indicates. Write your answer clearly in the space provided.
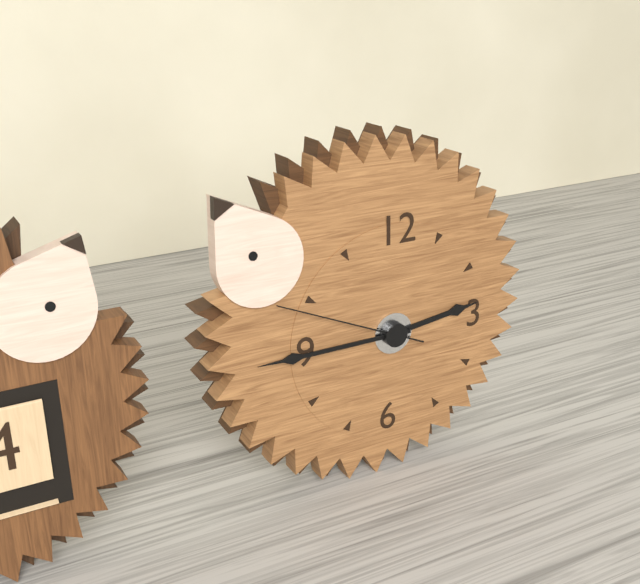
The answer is 2:45:49
